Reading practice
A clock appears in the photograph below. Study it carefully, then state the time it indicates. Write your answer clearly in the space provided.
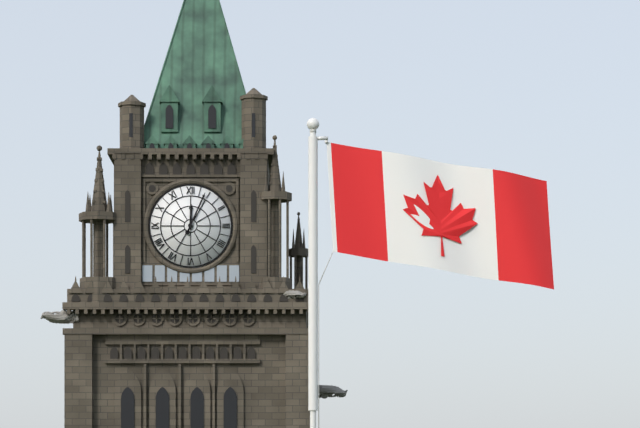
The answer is 12:04
